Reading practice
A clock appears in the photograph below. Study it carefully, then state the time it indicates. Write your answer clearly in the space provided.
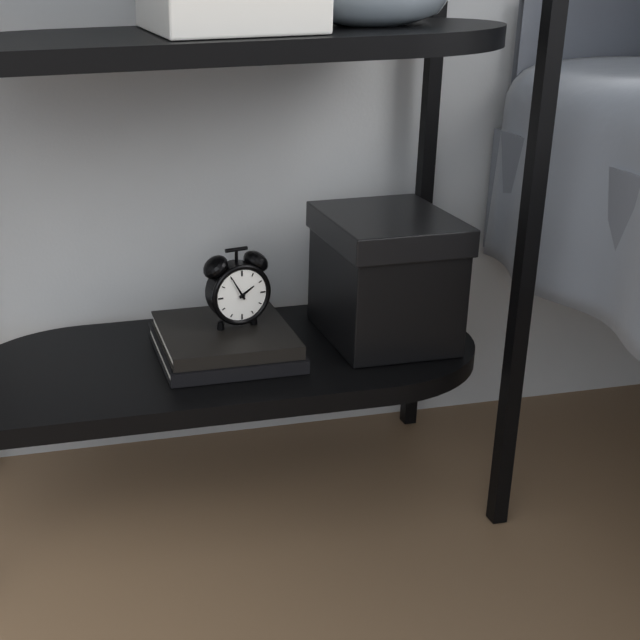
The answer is 1:55
